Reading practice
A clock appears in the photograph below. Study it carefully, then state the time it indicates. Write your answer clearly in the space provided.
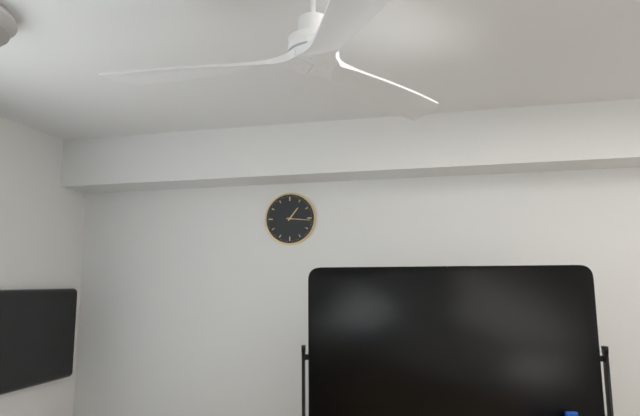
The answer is 1:16
